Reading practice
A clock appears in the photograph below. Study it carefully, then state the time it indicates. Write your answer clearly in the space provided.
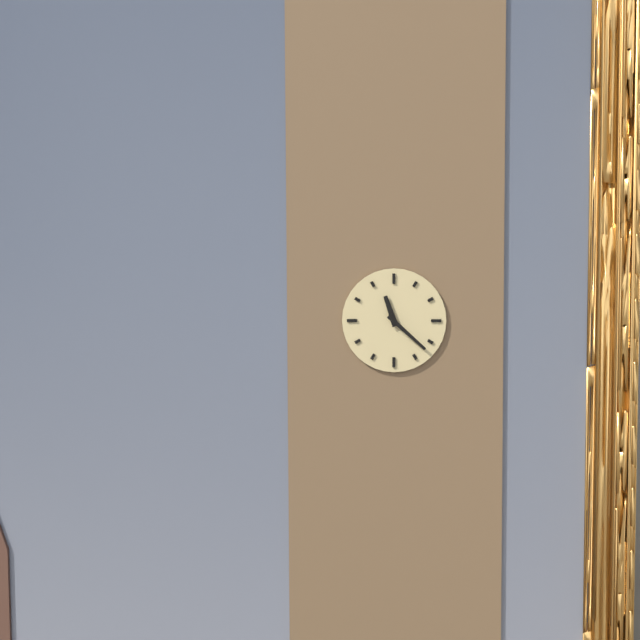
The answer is 11:22
